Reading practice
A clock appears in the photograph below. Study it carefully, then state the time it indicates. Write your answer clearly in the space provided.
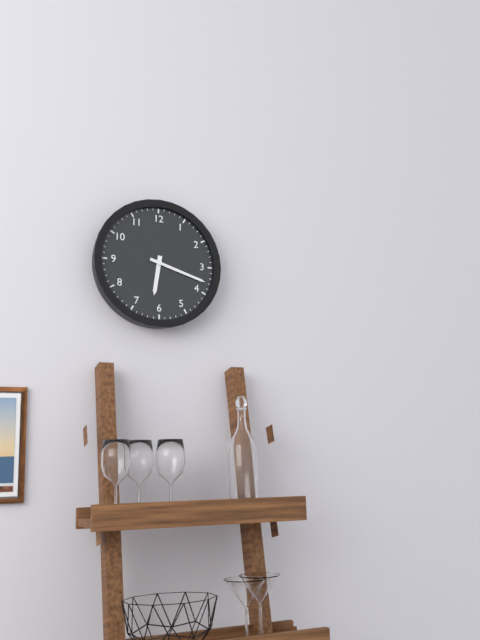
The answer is 6:18
